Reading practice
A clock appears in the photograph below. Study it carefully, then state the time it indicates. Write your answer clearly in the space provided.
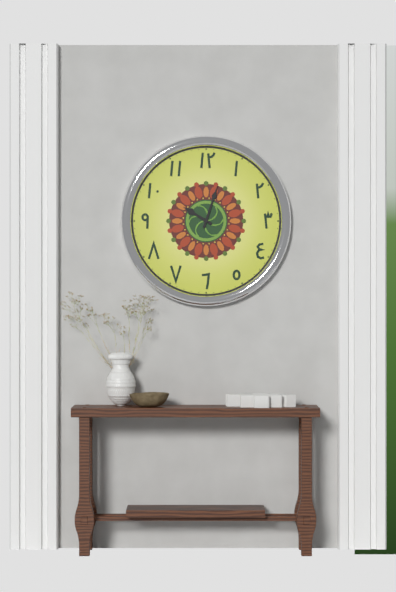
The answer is 10:03
